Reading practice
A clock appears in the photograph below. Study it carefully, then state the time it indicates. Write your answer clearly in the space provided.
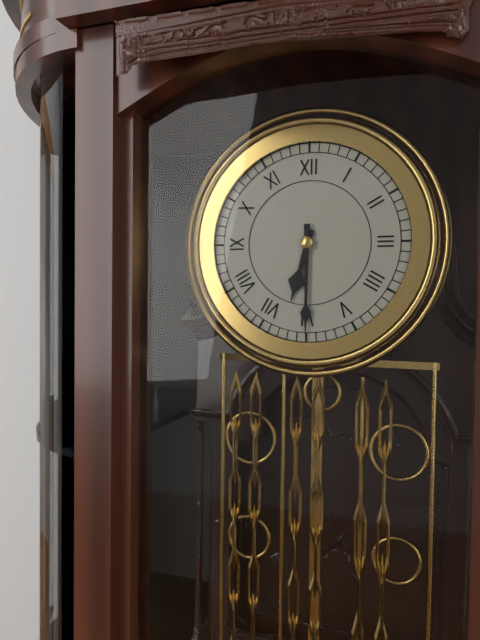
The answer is 6:30
